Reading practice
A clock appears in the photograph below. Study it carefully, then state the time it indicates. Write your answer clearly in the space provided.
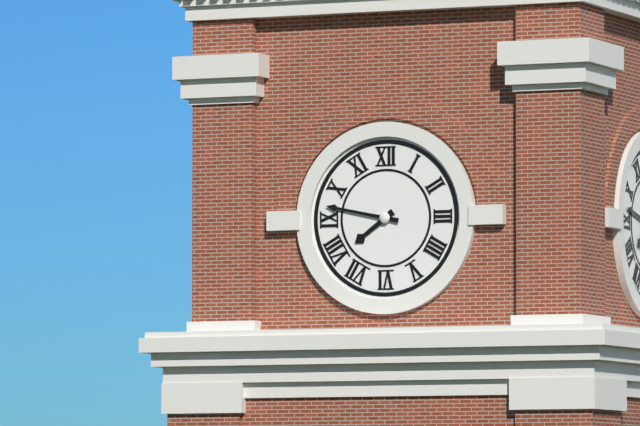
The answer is 7:47
